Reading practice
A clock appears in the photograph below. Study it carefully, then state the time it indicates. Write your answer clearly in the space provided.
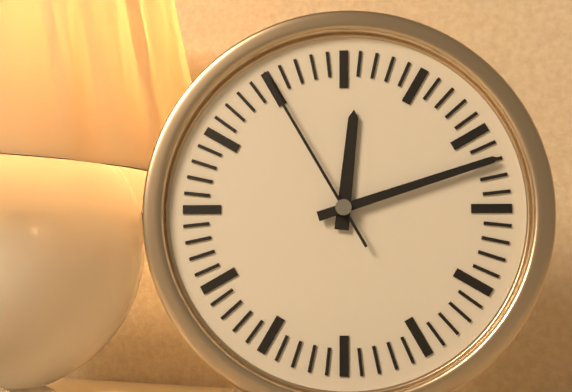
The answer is 12:12:55
